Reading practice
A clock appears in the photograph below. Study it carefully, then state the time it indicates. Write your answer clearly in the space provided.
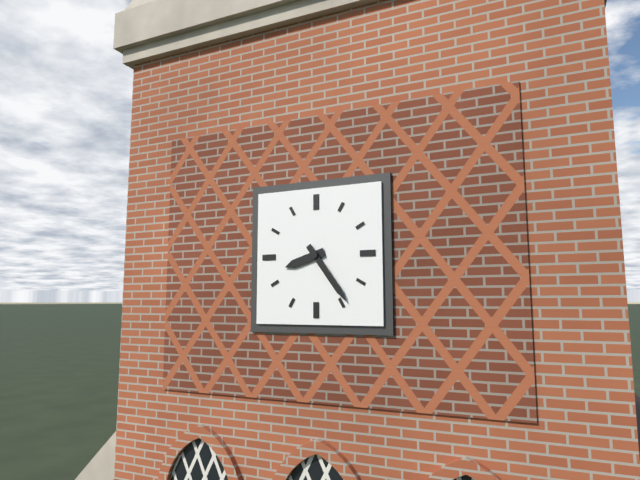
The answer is 8:24
